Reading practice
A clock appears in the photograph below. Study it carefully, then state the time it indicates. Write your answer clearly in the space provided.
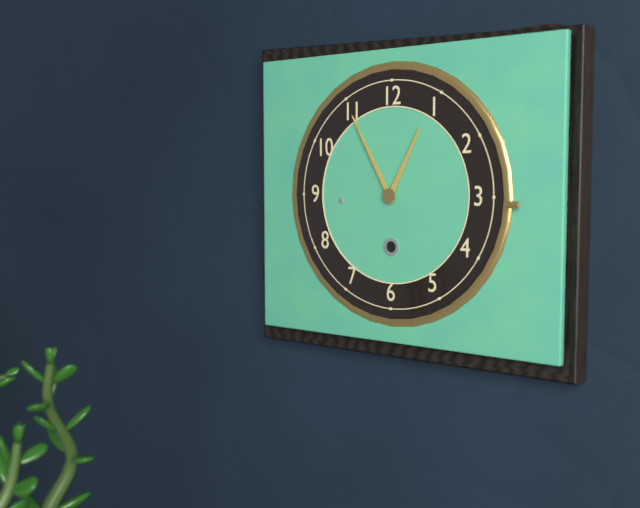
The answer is 12:55
